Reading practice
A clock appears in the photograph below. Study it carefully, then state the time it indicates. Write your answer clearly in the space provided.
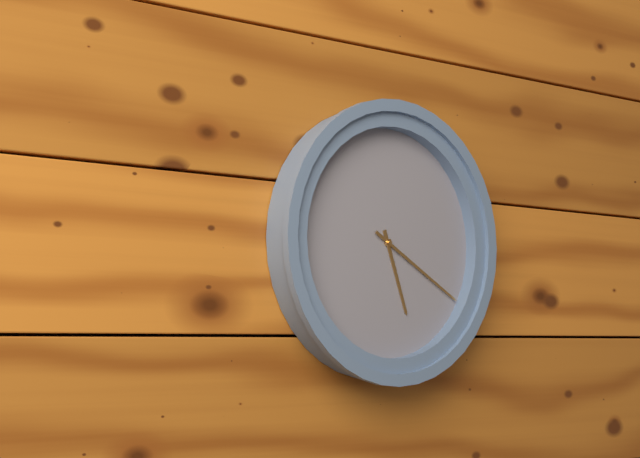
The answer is 5:20
